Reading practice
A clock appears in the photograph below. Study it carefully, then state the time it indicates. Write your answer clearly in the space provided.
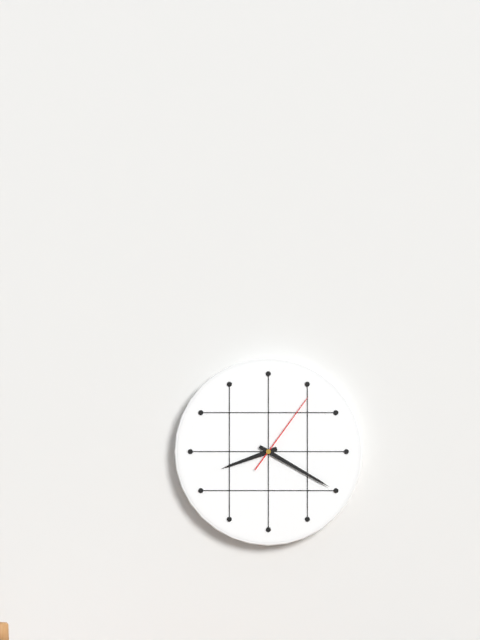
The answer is 8:20:06
